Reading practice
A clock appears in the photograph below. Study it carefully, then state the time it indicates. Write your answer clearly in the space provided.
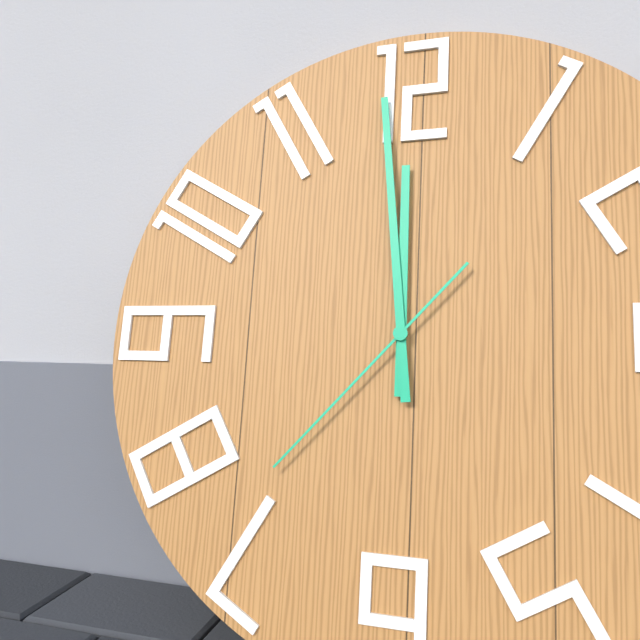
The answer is 11:59:37
